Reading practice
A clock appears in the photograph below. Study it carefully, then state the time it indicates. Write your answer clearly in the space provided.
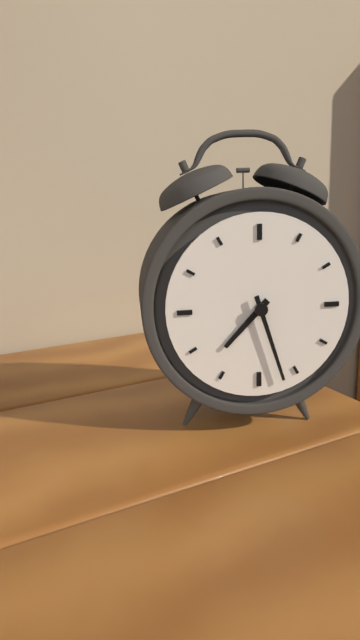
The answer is 7:27
